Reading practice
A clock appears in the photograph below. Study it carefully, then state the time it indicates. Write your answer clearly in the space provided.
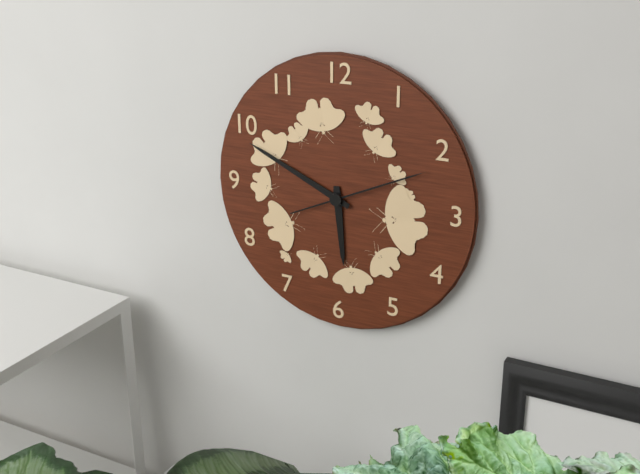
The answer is 5:49:11
